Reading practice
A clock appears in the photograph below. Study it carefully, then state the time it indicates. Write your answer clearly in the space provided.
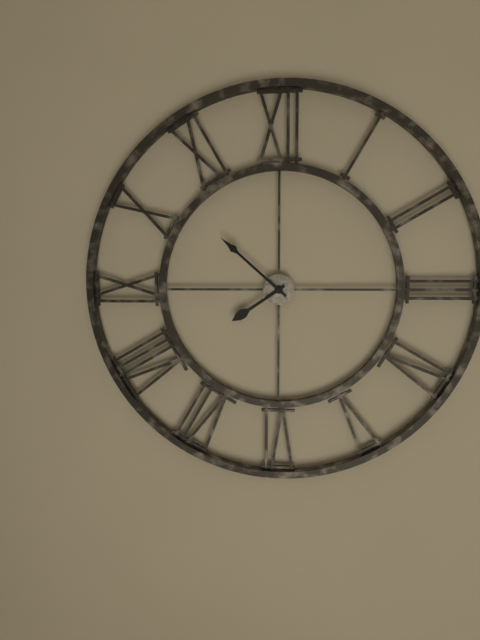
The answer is 7:52
